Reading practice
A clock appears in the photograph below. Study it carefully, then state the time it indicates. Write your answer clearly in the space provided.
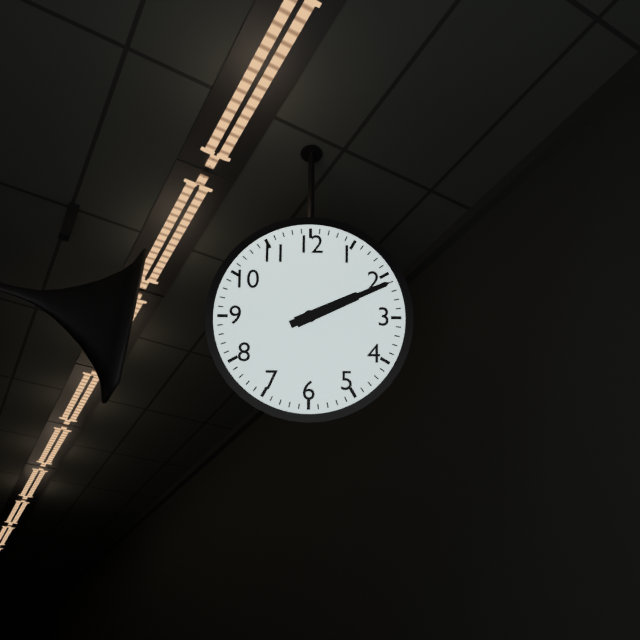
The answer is 2:11
